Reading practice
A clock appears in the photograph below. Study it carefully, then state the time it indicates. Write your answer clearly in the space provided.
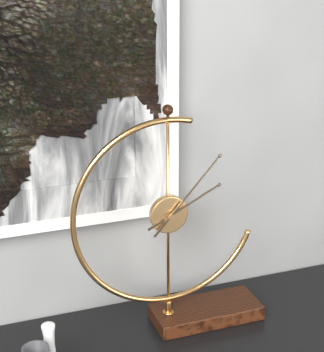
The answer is 2:07
